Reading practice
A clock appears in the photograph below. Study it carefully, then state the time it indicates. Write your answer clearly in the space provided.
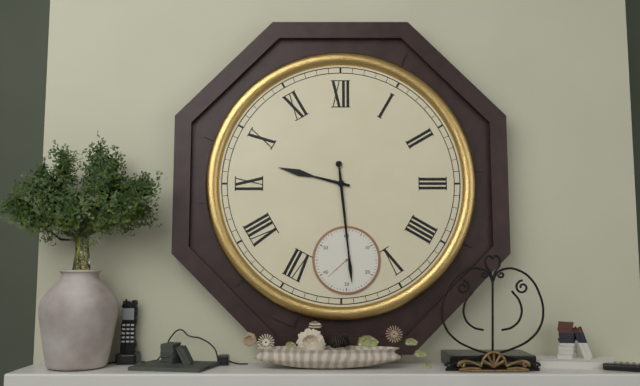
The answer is 9:29
